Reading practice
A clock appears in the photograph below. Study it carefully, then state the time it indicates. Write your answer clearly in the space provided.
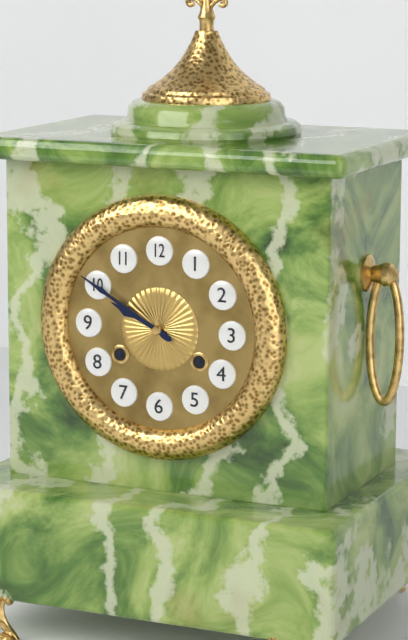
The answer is 9:50
